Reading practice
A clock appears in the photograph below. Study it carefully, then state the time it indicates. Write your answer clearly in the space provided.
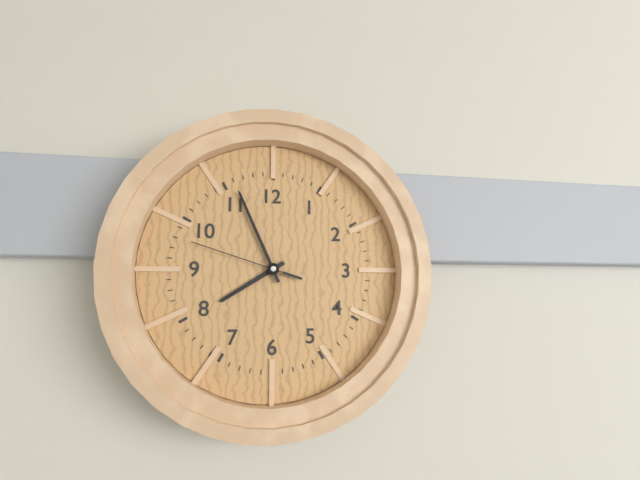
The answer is 7:56:48
